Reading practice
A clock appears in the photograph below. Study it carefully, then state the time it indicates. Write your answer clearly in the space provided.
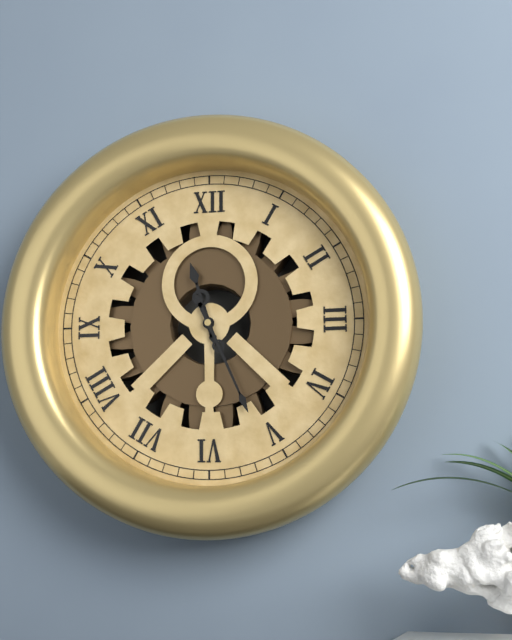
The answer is 11:26
